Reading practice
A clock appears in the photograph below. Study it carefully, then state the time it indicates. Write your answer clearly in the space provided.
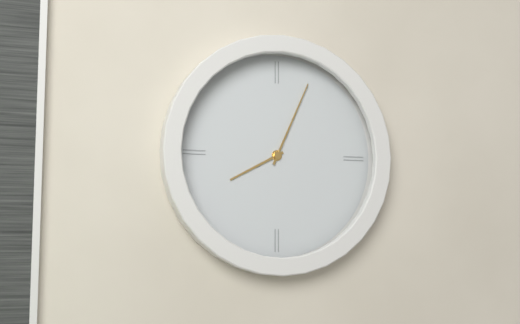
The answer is 8:04
